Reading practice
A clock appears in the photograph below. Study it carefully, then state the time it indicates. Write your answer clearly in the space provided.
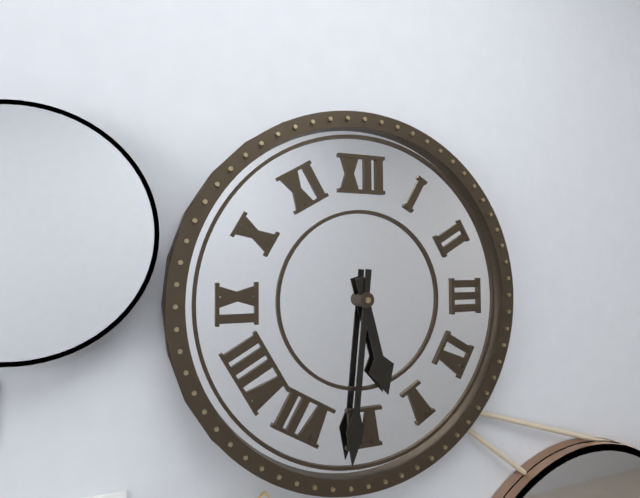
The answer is 5:31
